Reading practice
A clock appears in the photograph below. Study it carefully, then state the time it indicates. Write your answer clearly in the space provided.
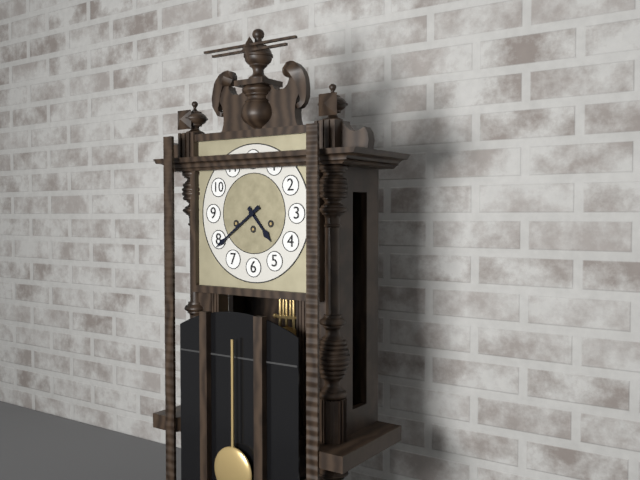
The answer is 4:39
